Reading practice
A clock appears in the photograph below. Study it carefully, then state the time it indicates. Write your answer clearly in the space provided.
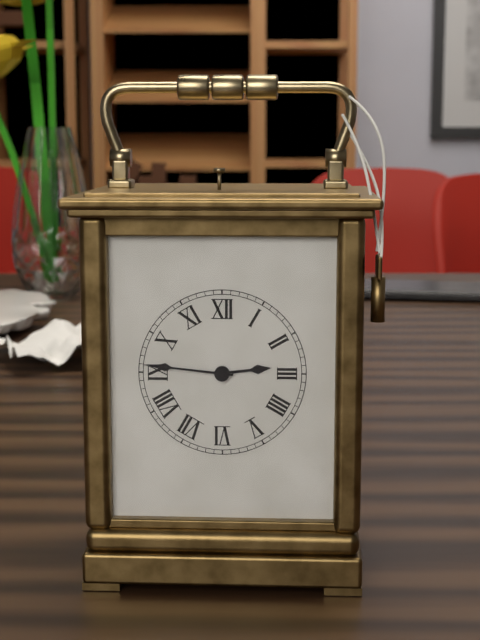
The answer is 2:46
